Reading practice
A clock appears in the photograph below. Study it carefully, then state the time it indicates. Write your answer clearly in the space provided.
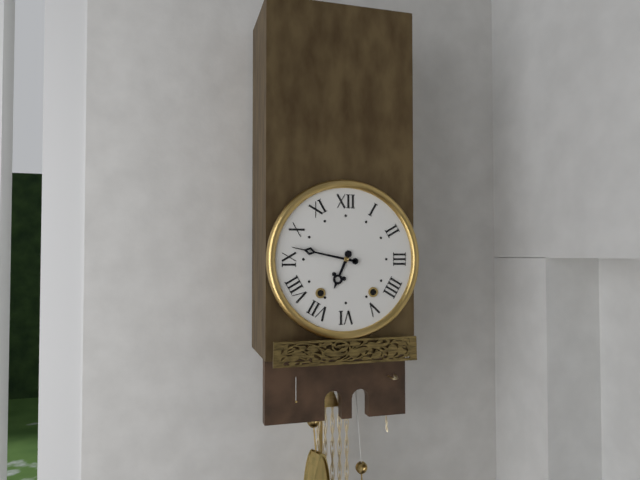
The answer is 6:47
